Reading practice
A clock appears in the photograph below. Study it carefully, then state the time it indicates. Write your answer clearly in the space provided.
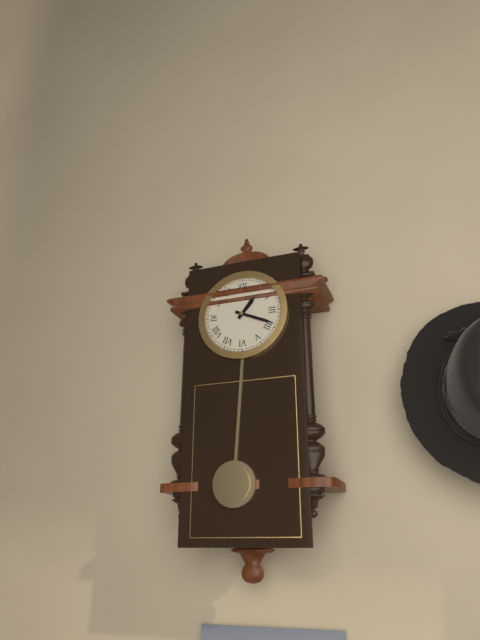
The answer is 1:19
